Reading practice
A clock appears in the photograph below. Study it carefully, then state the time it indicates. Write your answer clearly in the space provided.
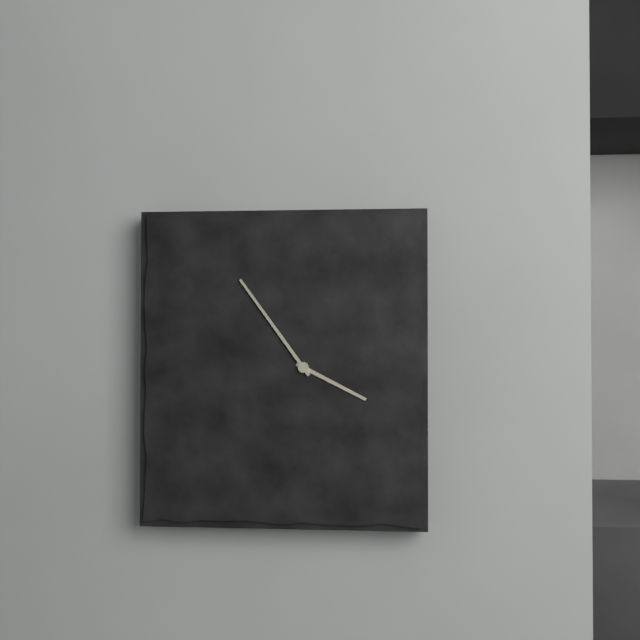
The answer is 3:54
